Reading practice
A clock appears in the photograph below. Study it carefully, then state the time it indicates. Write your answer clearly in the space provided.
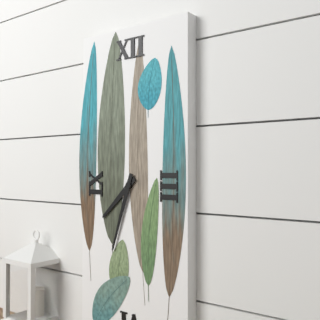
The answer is 7:33
